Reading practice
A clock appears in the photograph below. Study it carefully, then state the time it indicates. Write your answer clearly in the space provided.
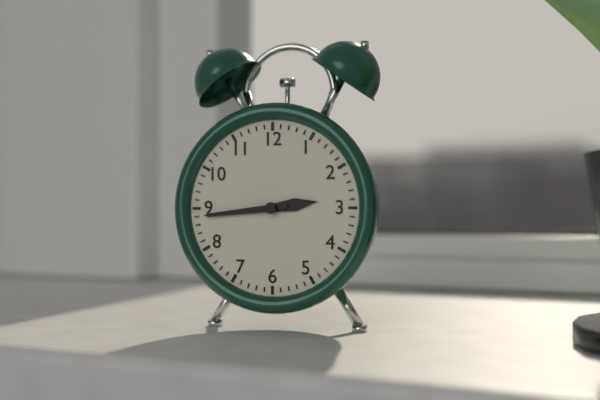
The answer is 2:44
